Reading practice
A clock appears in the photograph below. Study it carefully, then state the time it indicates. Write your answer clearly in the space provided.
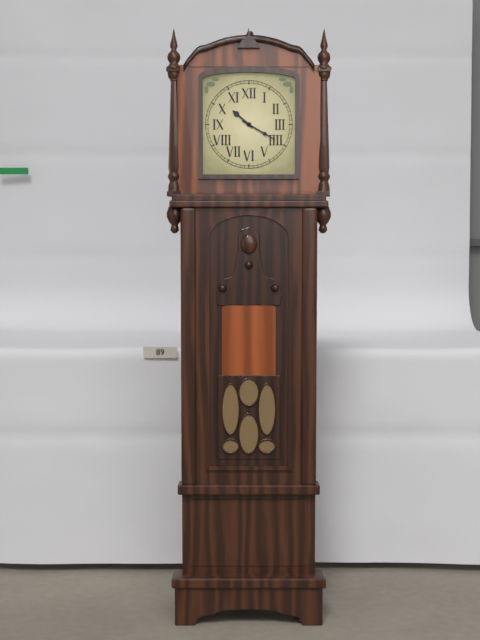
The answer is 10:20
